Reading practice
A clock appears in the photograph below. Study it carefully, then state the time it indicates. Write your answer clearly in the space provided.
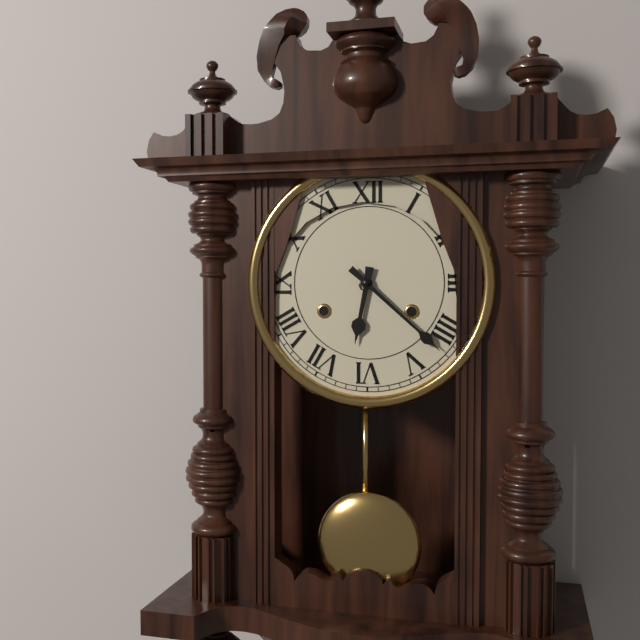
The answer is 6:22
